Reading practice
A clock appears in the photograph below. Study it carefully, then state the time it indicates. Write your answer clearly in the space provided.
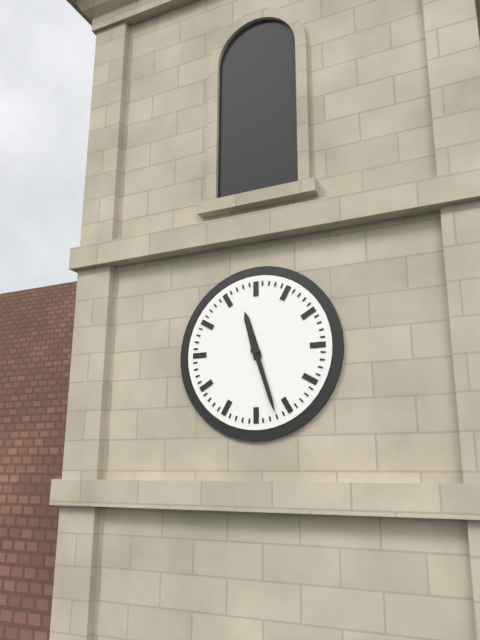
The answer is 11:27
